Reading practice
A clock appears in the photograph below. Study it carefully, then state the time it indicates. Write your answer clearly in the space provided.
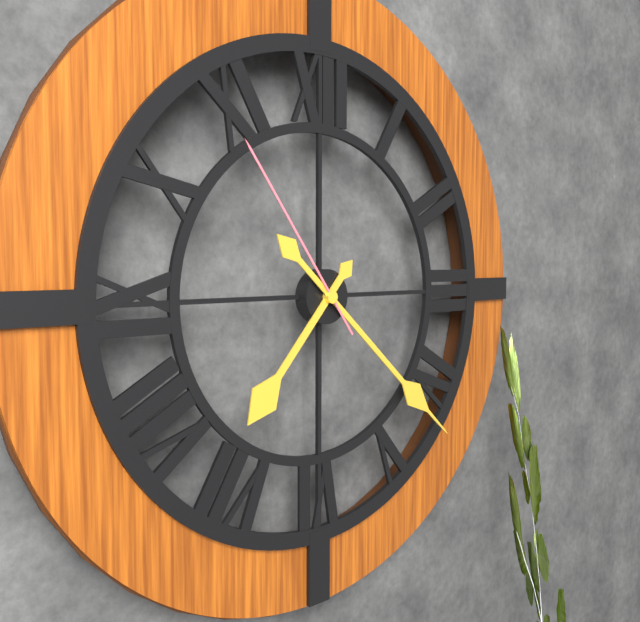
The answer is 7:22:54
